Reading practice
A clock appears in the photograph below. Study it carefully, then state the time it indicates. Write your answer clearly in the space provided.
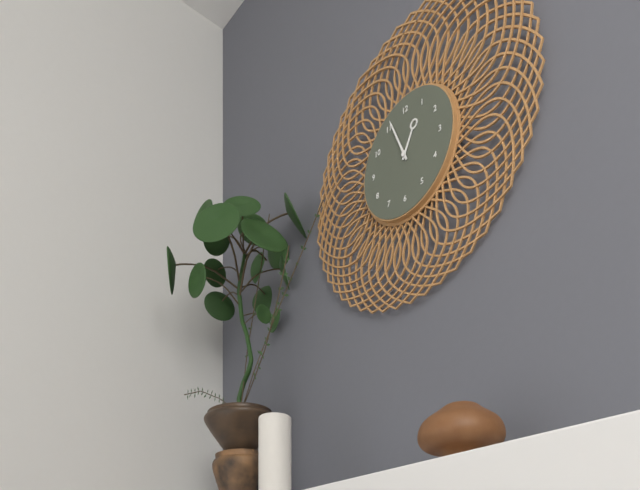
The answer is 12:56
